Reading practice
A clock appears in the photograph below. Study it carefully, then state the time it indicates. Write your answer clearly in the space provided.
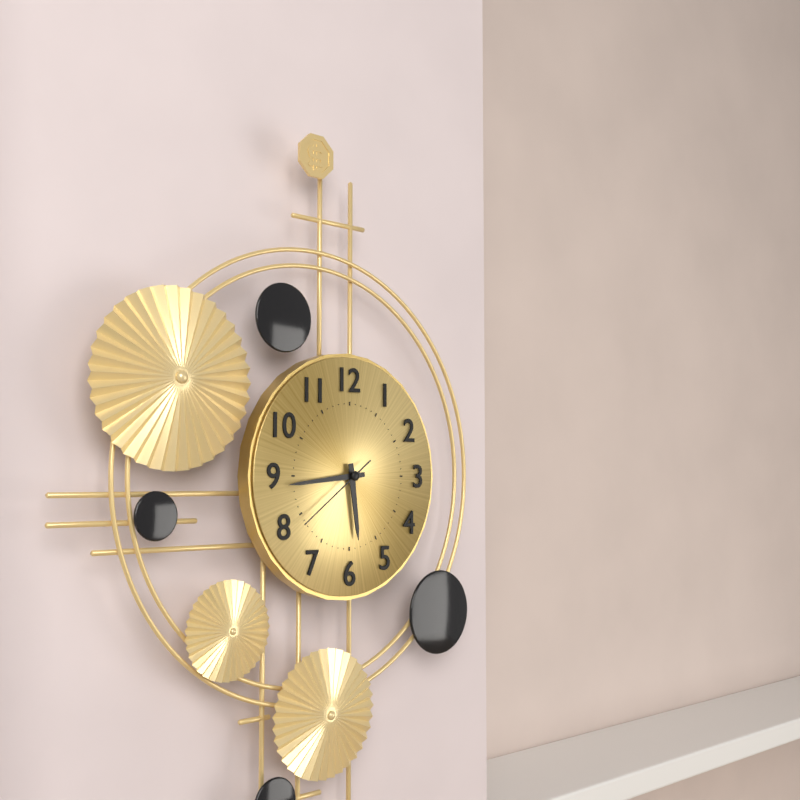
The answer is 5:44:39
